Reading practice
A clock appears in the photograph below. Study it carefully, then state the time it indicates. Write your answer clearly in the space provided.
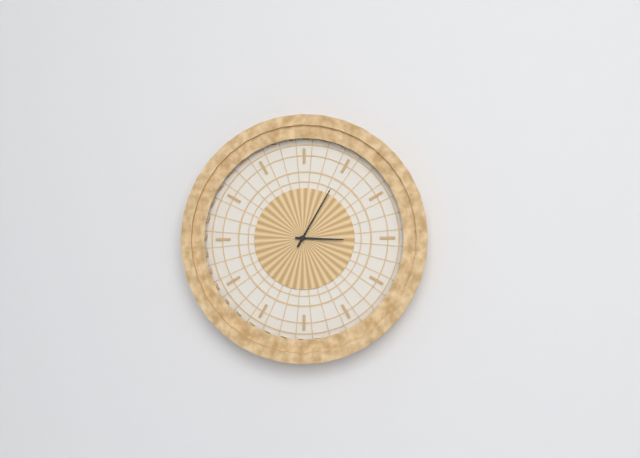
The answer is 3:05
